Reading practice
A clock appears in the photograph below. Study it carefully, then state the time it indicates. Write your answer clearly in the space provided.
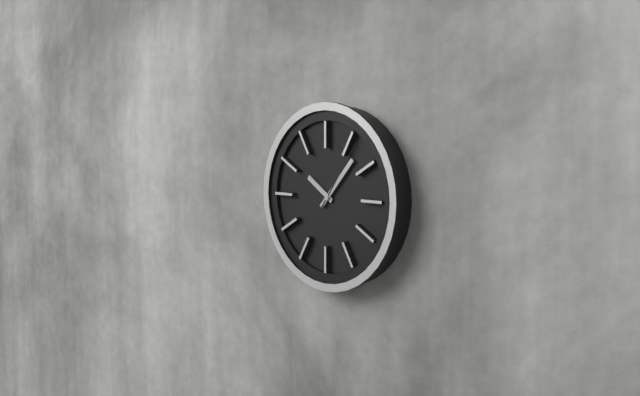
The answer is 10:07:06
